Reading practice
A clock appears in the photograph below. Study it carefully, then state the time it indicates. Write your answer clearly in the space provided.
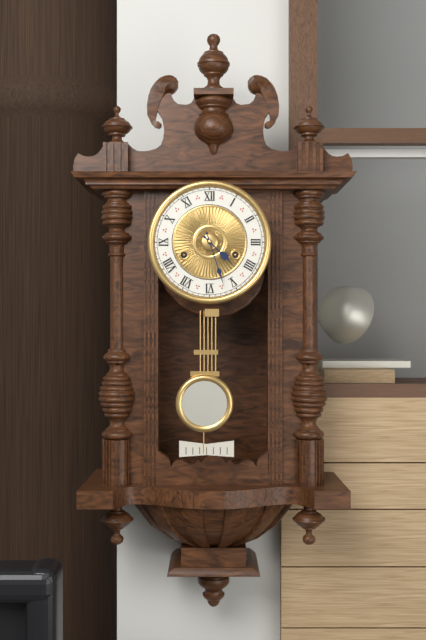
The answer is 4:27
